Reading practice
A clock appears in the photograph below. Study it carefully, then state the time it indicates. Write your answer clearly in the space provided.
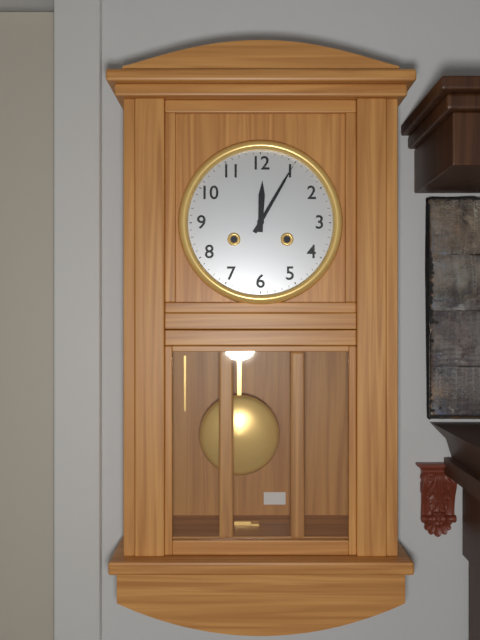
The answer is 12:05
